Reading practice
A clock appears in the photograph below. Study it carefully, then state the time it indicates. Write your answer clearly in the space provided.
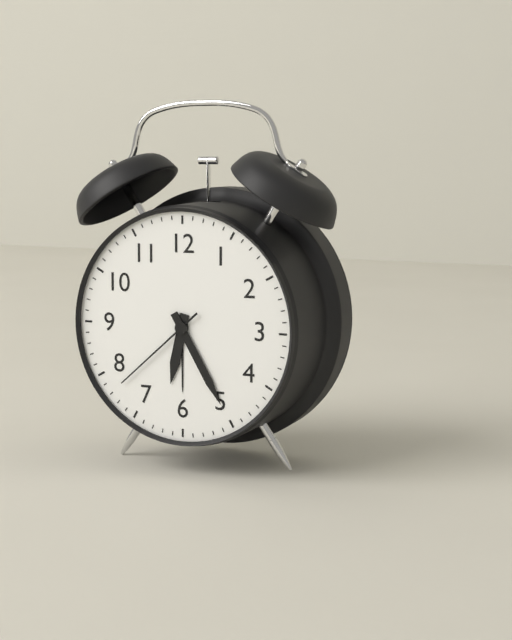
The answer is 6:25:38
